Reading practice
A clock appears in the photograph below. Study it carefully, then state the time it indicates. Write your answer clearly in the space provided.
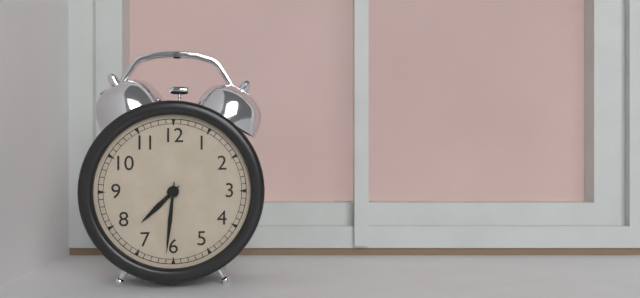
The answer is 7:31
